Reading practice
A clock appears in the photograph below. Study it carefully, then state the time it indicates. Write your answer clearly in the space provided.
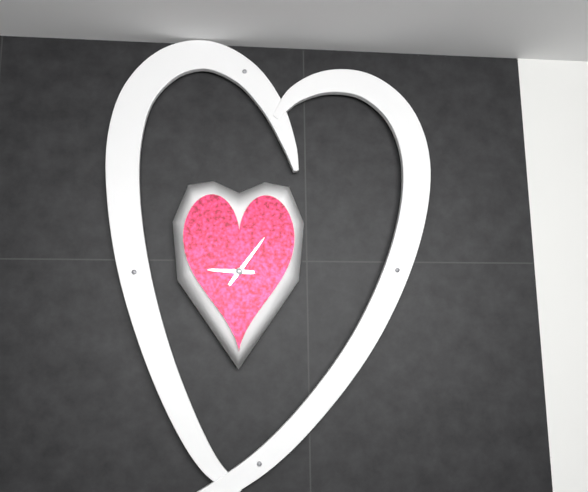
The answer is 9:06
